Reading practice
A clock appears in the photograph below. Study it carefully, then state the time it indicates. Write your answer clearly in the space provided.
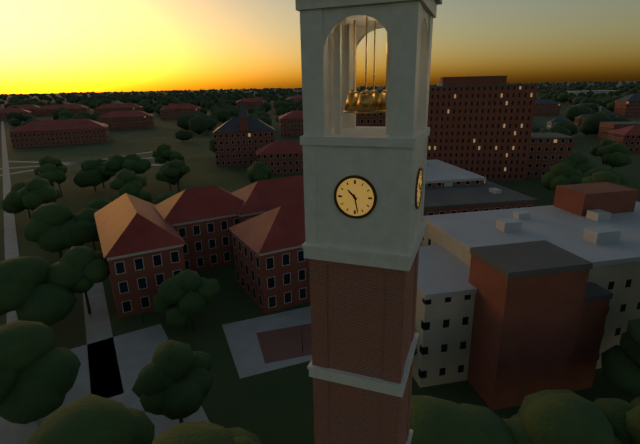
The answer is 10:28
